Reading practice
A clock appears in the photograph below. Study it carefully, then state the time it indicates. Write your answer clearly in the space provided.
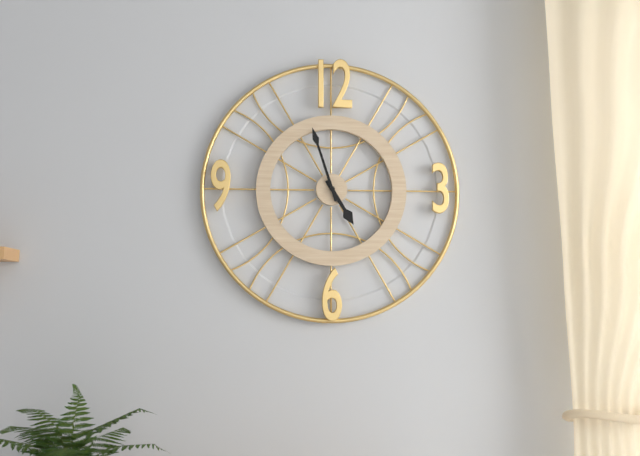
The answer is 4:57
